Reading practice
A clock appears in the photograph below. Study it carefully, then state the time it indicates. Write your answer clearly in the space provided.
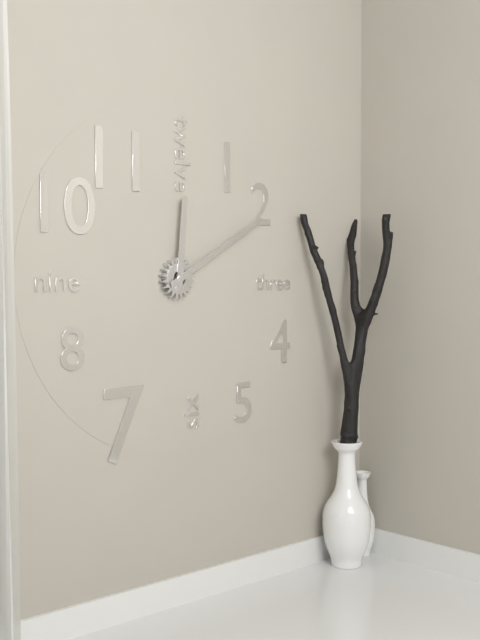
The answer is 12:10
